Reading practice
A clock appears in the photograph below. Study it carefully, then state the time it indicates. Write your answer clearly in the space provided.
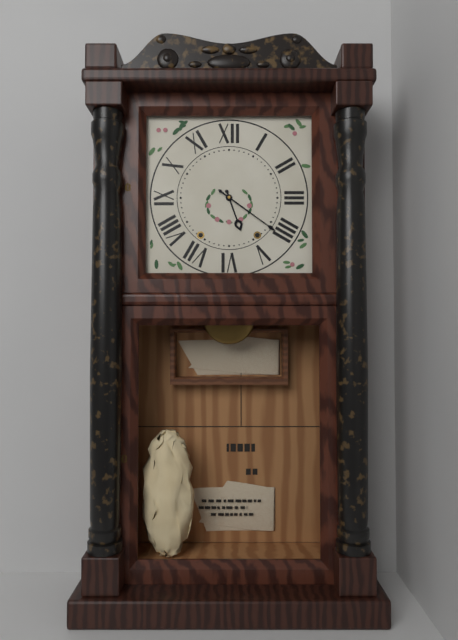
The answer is 5:21
